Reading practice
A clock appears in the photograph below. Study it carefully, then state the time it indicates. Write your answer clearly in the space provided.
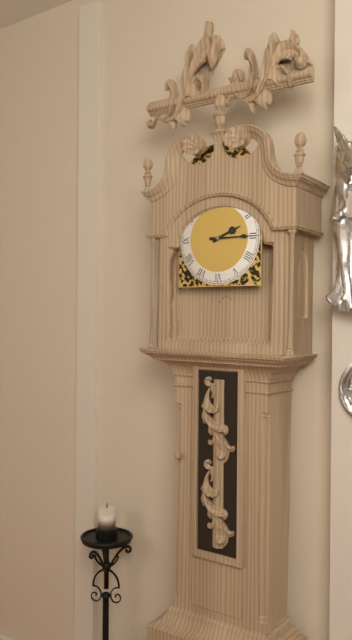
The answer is 2:15
